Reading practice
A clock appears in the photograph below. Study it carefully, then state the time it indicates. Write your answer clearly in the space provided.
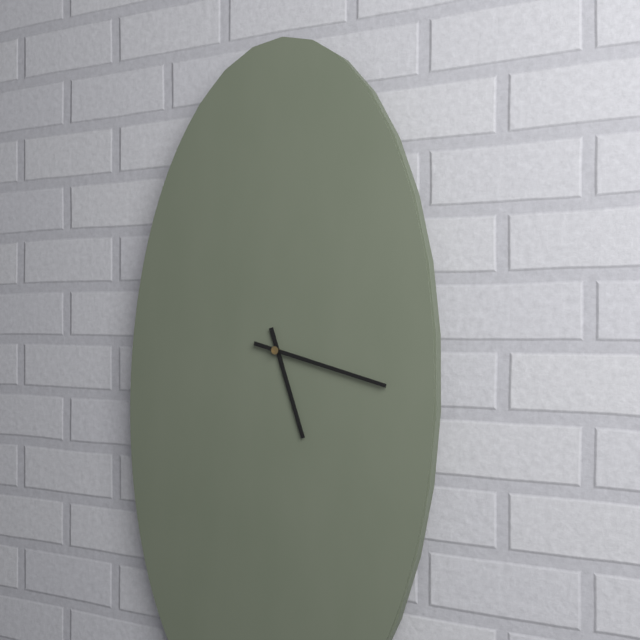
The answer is 5:17
